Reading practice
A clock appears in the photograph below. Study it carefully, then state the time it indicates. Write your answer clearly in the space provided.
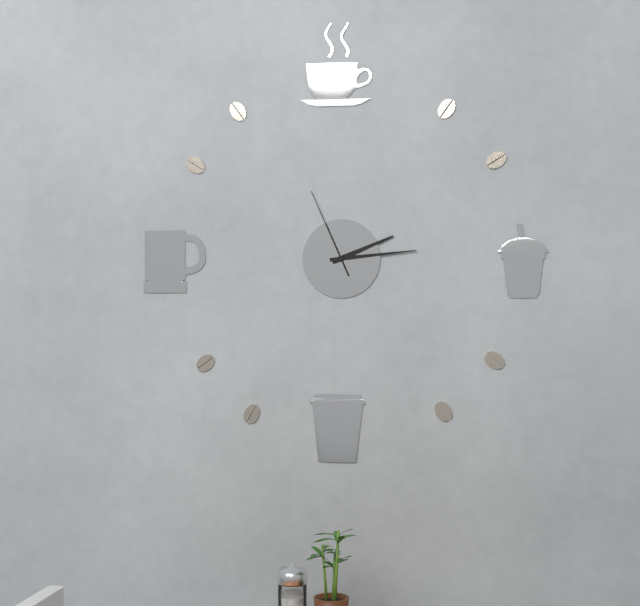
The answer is 2:14:56
